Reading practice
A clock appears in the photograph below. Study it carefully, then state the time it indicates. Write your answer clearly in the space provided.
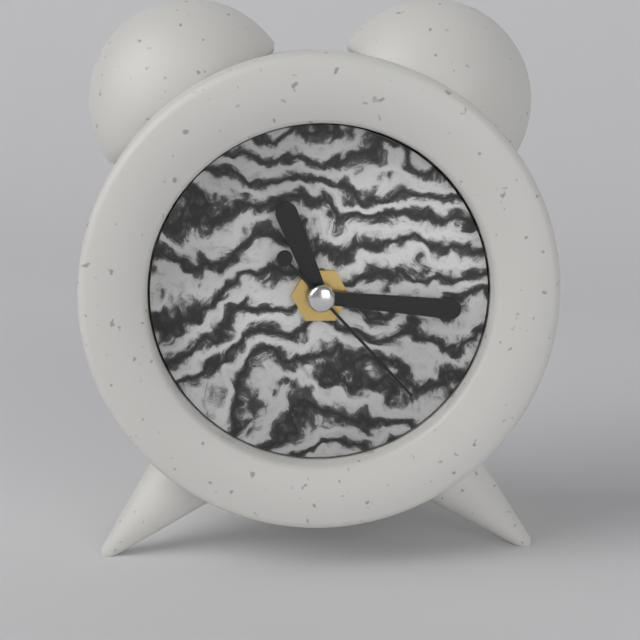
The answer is 11:16:23
